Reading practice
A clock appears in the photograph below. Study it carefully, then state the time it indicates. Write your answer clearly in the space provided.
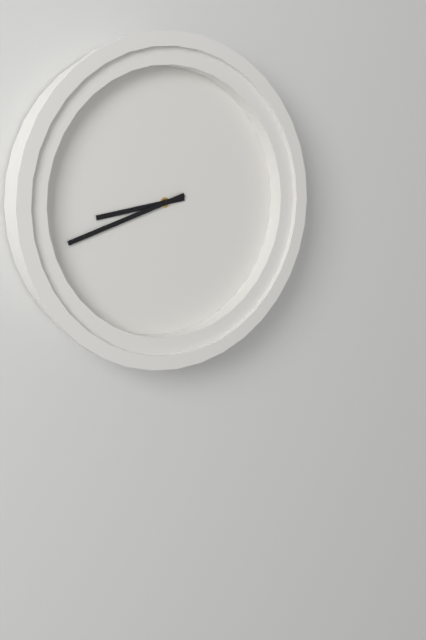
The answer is 8:42
